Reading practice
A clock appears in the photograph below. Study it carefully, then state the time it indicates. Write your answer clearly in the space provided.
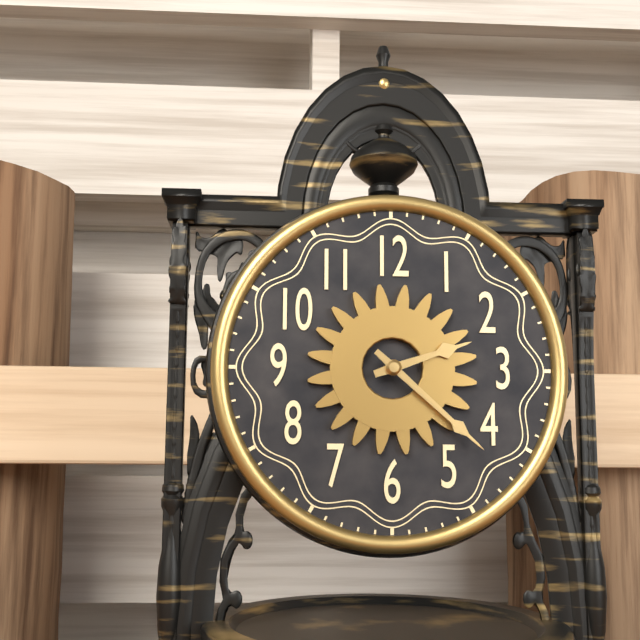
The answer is 2:22
